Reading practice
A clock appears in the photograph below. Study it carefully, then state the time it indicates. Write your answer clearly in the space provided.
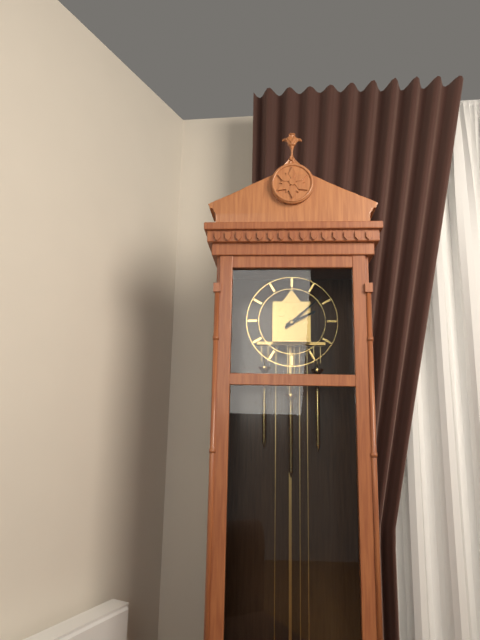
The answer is 2:08
